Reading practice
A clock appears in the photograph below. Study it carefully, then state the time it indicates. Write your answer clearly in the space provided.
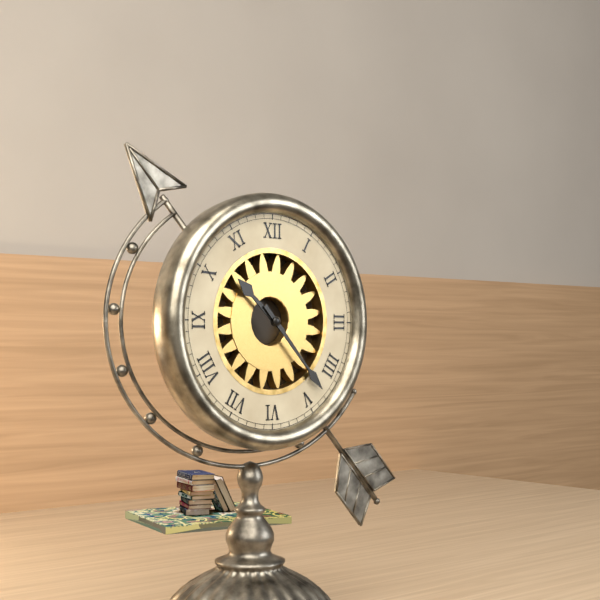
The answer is 10:23
